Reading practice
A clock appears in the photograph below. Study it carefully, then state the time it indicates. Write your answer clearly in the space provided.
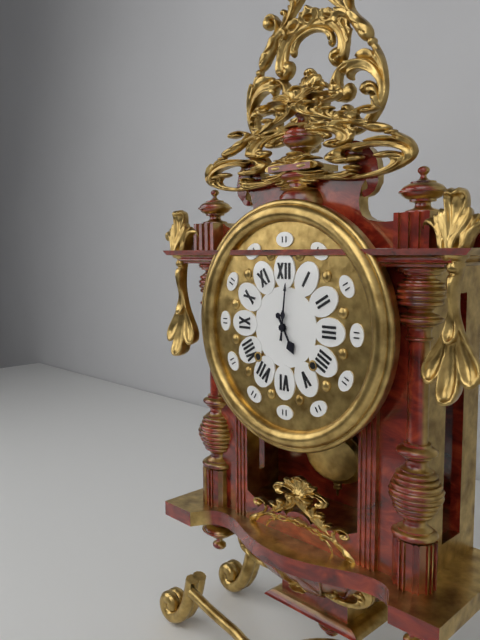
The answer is 5:01
